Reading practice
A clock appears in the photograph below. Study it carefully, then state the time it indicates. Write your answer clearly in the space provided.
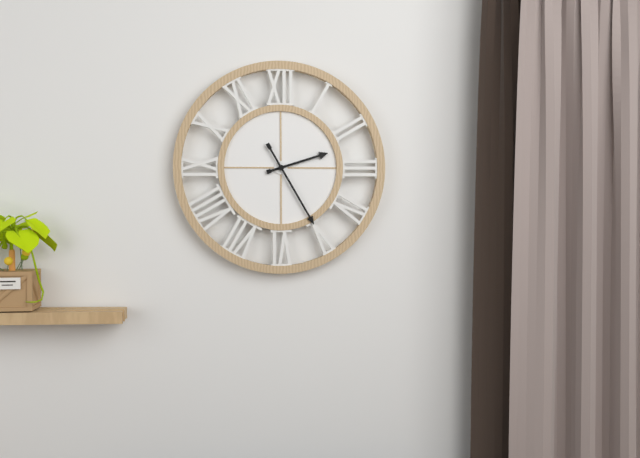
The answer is 2:25
